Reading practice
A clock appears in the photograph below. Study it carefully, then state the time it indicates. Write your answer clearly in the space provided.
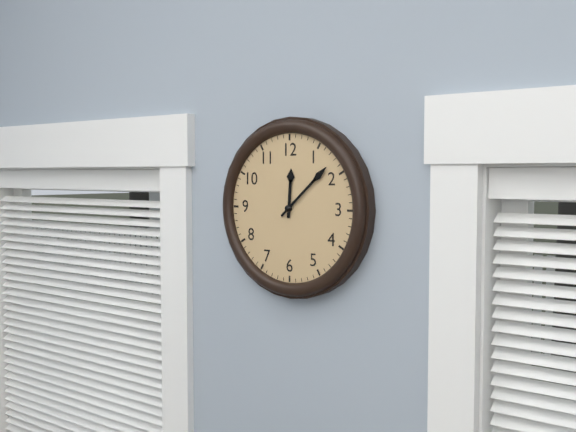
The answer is 12:08
